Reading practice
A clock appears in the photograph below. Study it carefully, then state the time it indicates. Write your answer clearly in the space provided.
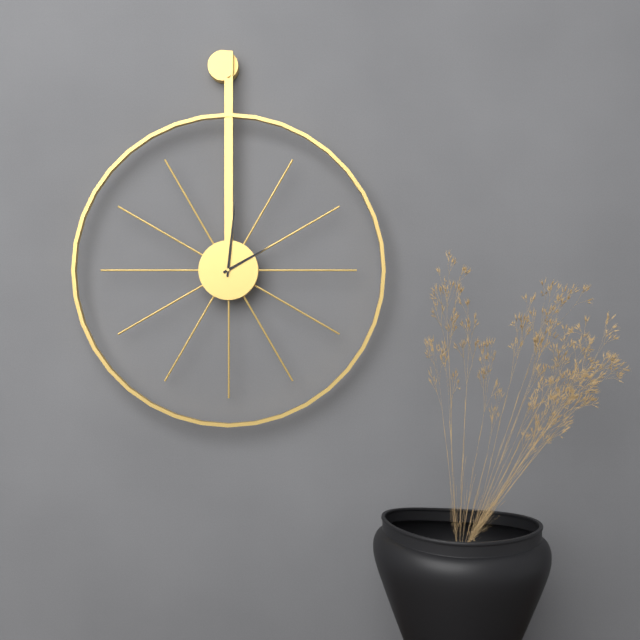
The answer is 2:01
